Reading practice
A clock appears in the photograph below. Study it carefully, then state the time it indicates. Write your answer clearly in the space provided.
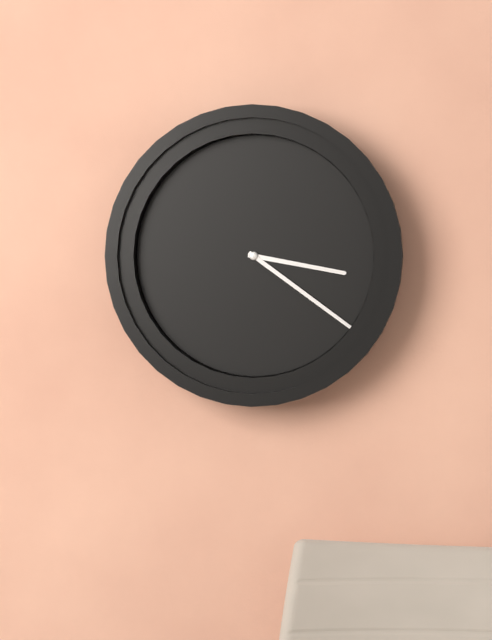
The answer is 3:21
